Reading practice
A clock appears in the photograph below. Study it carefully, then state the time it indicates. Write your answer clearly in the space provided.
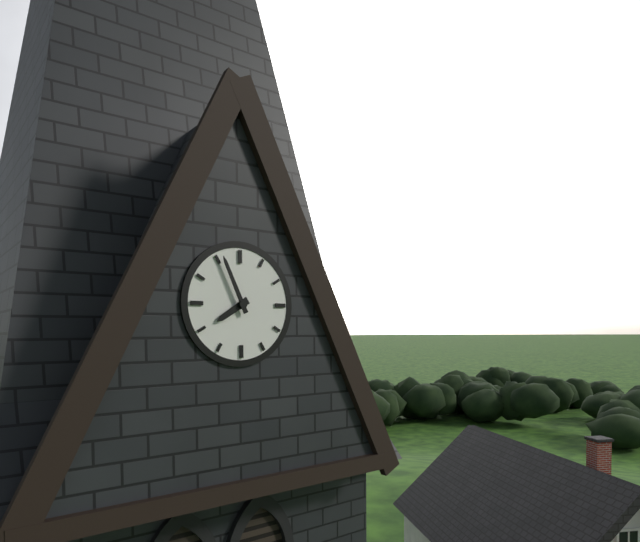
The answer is 7:56
